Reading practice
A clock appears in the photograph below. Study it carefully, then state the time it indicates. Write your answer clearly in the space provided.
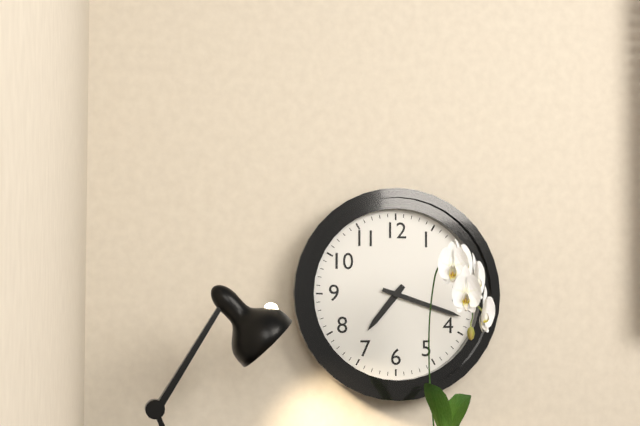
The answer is 7:18
